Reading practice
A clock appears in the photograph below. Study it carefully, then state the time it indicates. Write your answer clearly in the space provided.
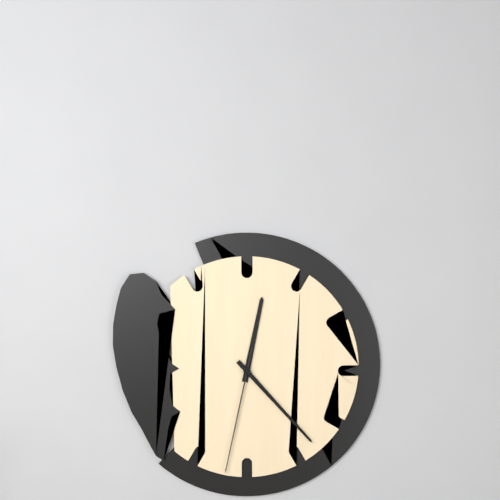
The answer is 12:23:32
